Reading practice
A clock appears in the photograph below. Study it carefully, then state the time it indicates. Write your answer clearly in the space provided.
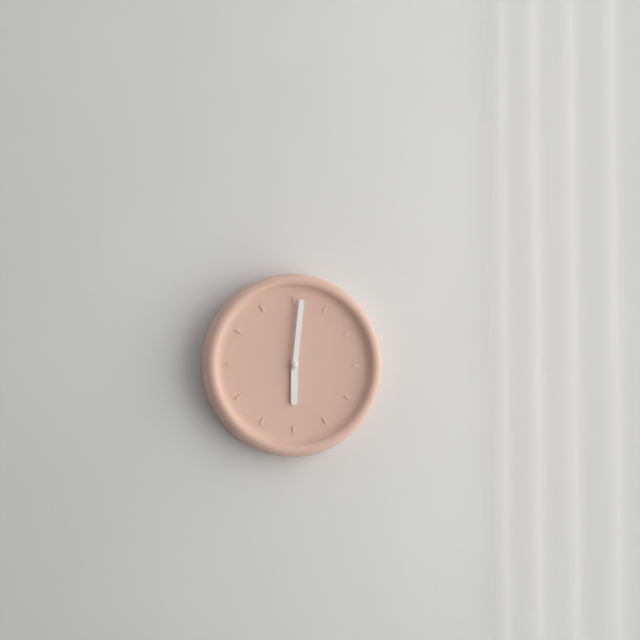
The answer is 6:01
